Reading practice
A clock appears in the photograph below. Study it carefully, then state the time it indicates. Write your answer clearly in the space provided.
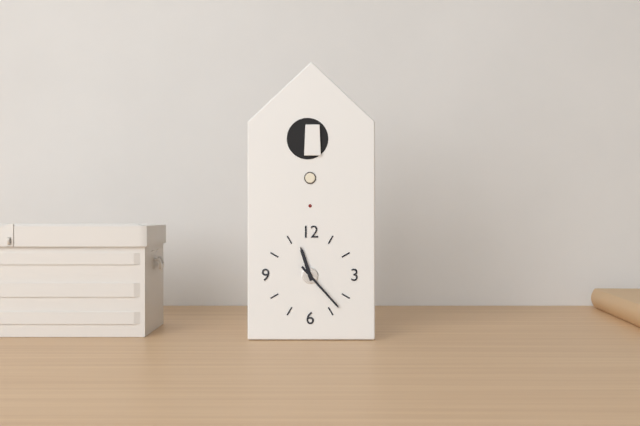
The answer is 11:23
